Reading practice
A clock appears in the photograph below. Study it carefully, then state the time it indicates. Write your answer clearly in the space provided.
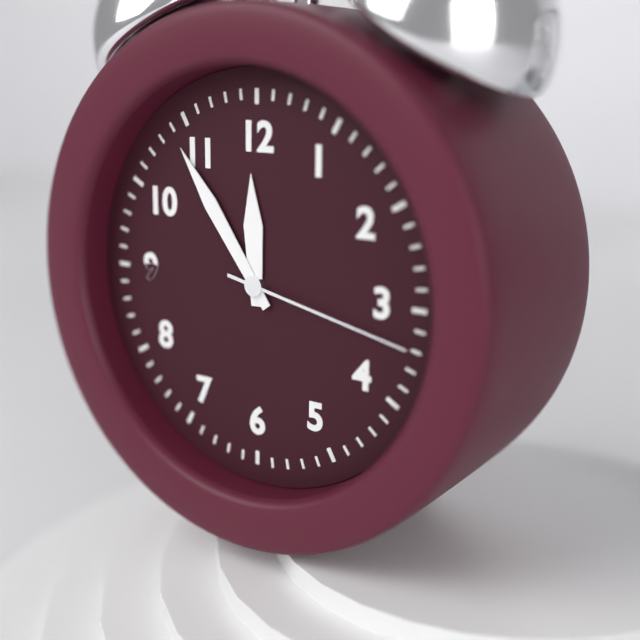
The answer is 11:54:17
